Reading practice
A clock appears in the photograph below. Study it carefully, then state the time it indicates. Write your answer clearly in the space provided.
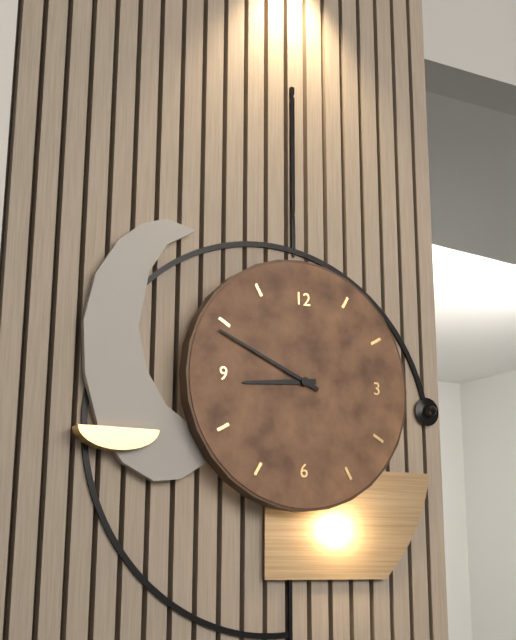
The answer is 8:49
